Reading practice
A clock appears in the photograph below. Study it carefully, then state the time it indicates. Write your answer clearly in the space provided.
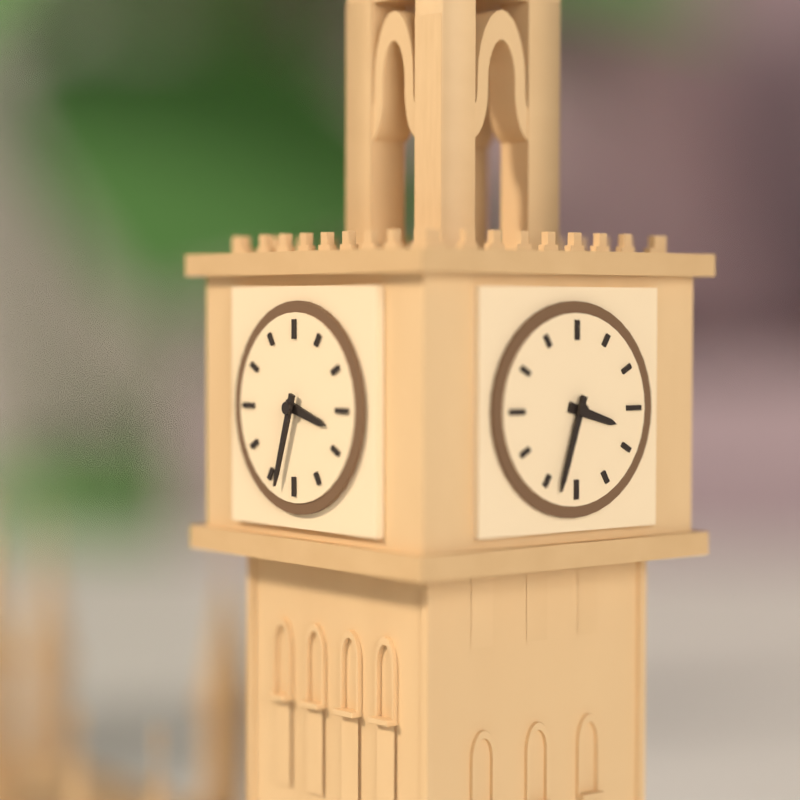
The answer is 3:33
